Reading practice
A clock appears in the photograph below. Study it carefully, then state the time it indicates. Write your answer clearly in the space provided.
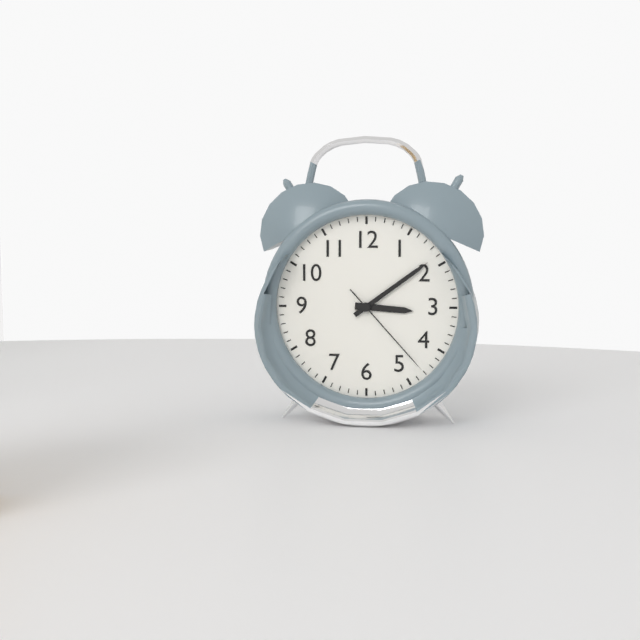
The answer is 3:09:23
